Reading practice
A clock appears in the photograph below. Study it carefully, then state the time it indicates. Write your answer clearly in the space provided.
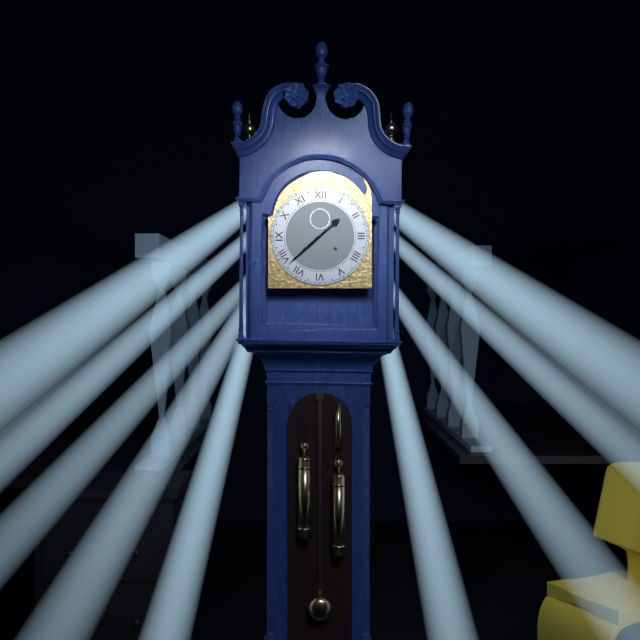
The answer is 1:38
